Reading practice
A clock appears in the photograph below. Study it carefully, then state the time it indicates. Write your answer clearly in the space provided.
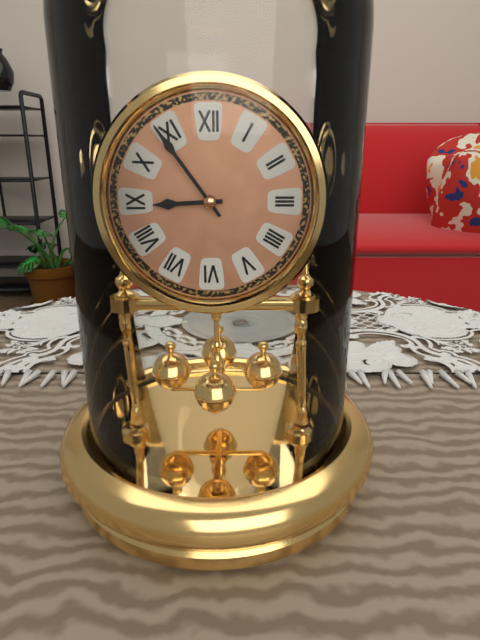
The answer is 8:54
